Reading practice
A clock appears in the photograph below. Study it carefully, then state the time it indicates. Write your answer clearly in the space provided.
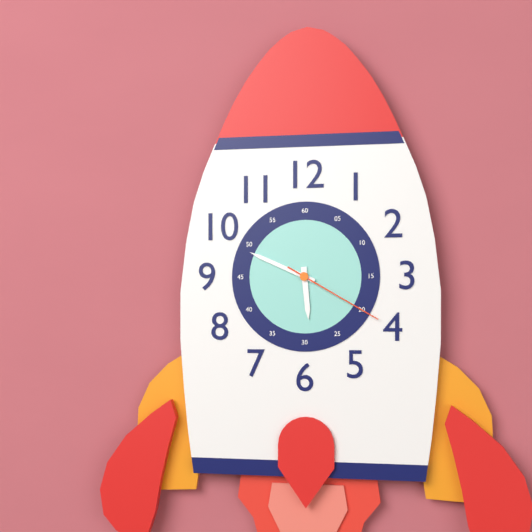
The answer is 5:49:20
